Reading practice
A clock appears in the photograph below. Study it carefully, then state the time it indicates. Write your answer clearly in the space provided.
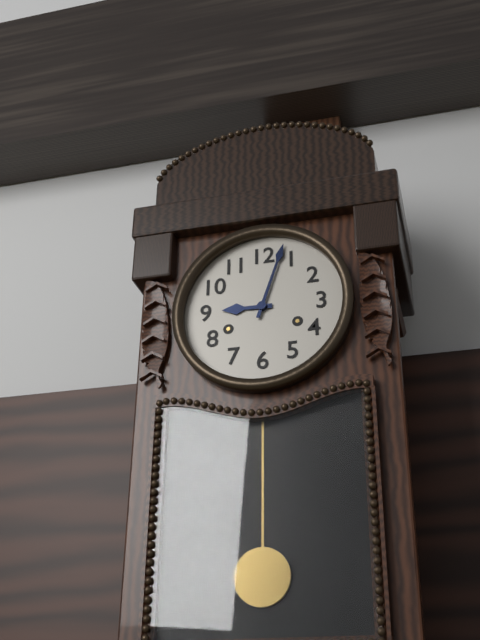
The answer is 9:03
